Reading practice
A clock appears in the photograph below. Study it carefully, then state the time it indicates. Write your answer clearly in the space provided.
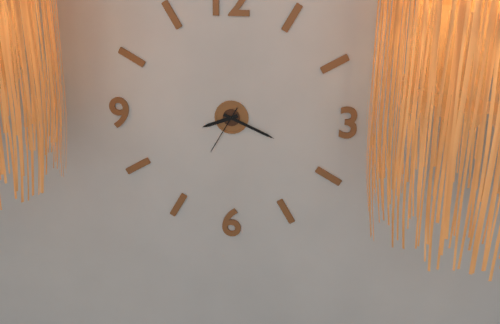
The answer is 8:19
